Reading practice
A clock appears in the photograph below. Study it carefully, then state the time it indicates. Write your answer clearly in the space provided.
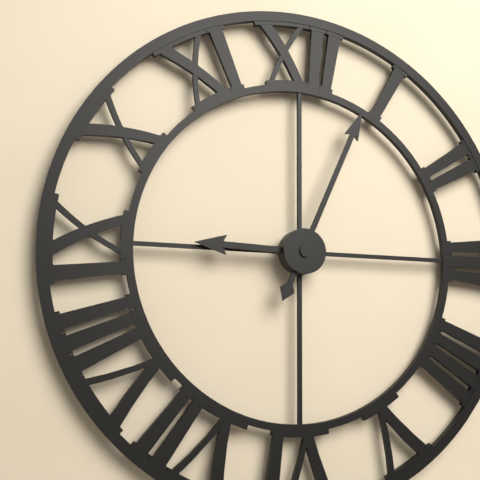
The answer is 9:04
